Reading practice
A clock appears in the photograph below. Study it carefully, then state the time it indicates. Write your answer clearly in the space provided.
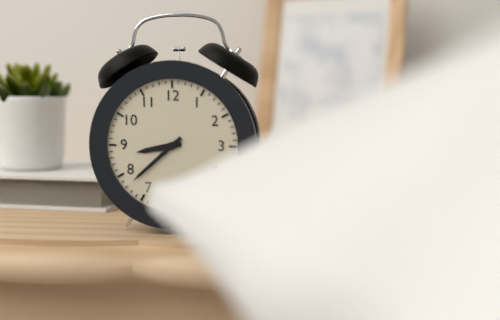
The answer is 8:38
